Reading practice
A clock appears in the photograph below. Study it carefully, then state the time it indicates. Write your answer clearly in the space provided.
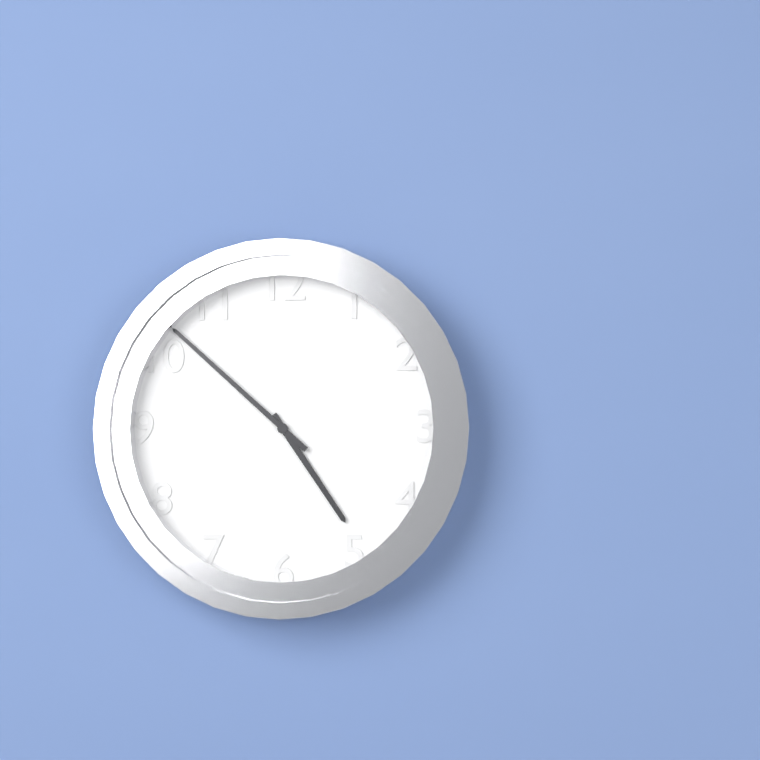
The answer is 4:52
